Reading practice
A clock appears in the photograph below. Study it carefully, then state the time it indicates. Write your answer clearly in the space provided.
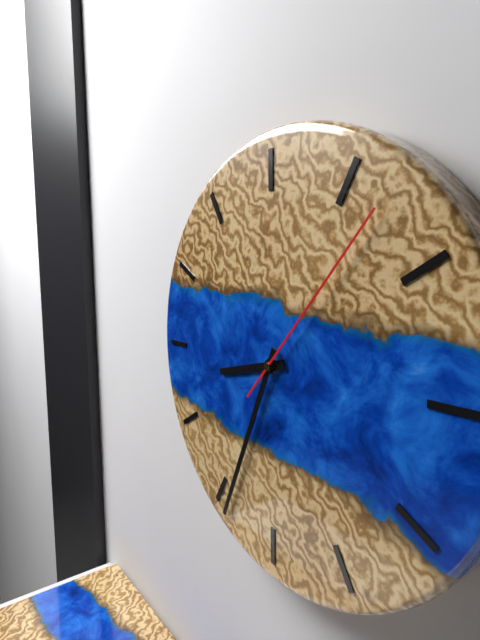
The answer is 8:34:07
